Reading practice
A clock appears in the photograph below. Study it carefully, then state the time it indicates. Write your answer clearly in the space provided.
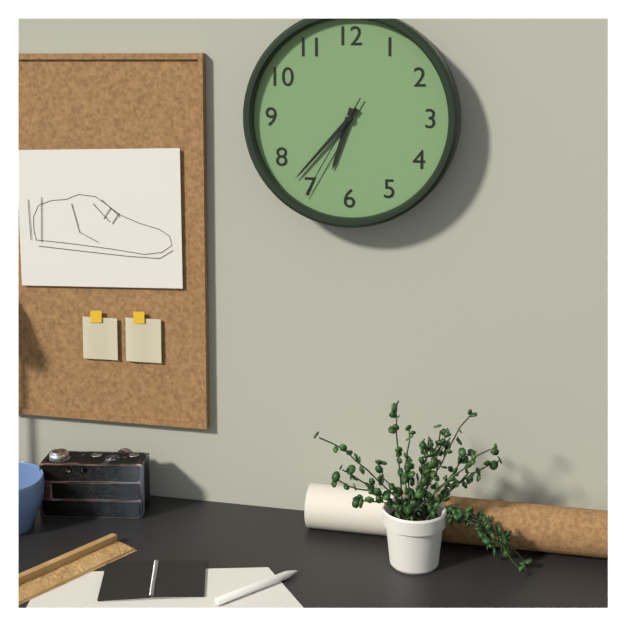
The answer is 6:37:35
